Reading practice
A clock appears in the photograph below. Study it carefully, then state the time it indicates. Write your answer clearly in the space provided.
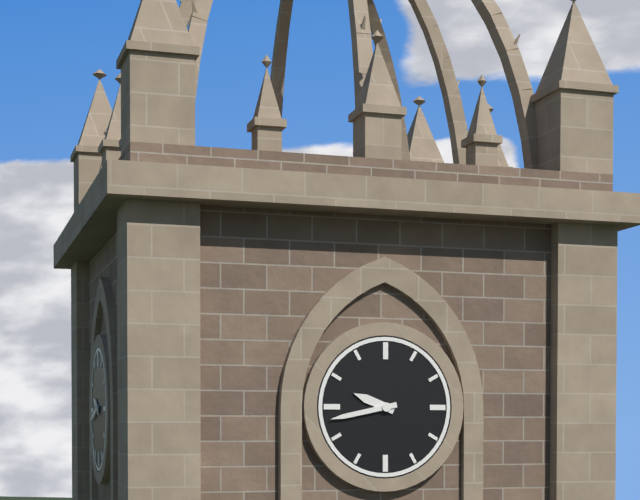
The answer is 9:43
